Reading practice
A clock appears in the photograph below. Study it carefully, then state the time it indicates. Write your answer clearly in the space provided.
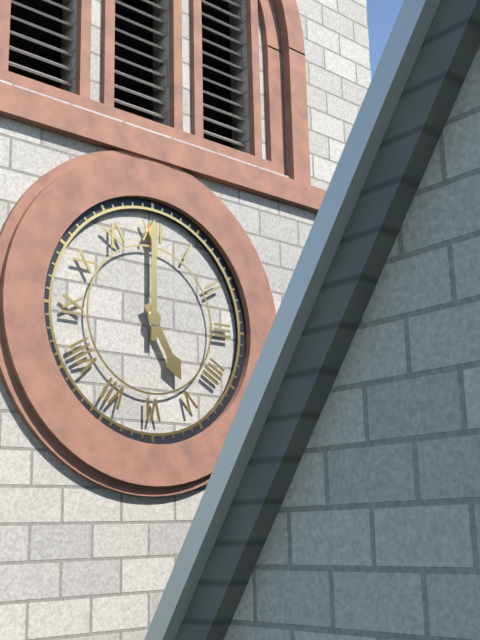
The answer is 5:00
